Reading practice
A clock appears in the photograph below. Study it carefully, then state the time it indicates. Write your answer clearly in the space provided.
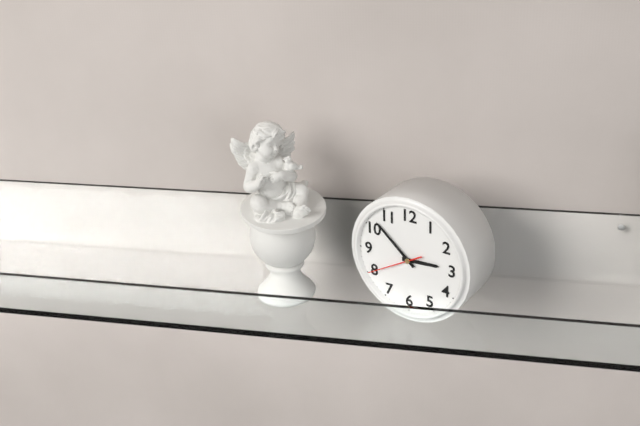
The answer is 2:52:40
